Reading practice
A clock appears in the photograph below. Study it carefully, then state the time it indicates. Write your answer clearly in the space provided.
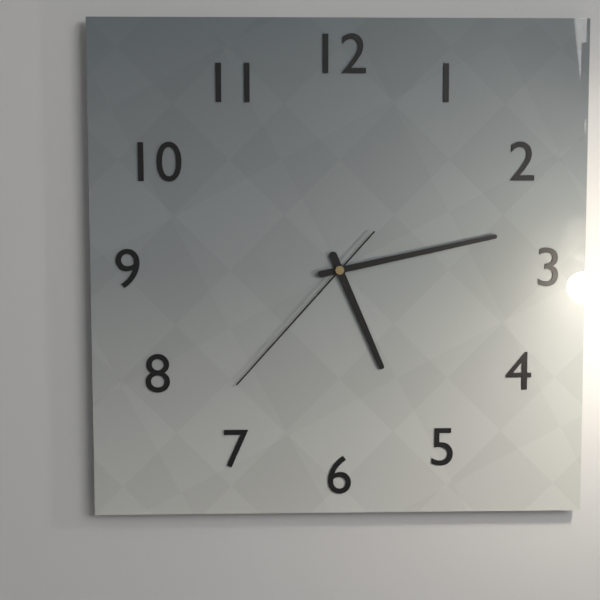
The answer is 5:13:37
